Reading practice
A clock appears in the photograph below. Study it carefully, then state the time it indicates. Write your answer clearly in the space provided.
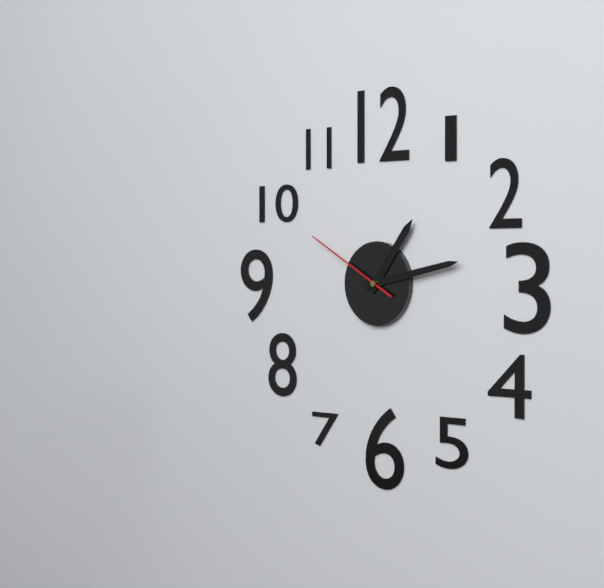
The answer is 1:13:50
